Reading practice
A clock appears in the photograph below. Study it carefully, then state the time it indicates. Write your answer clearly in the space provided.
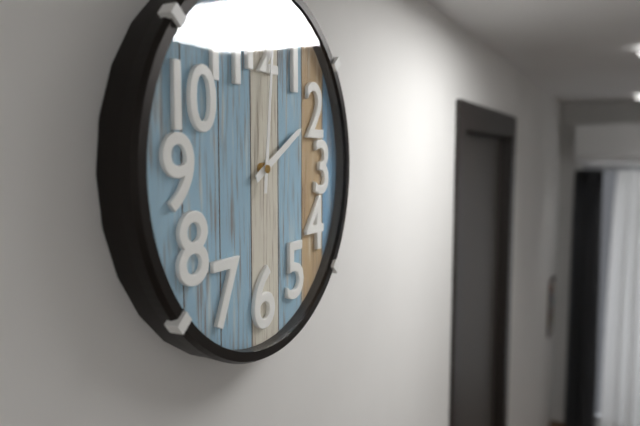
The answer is 2:01
